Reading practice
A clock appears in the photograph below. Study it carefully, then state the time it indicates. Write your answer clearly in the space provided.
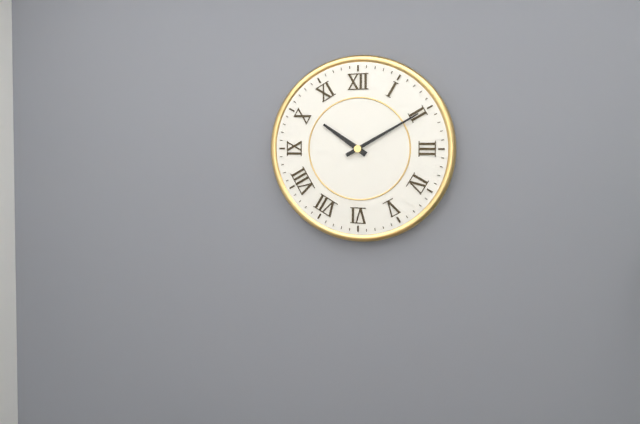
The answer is 10:10
